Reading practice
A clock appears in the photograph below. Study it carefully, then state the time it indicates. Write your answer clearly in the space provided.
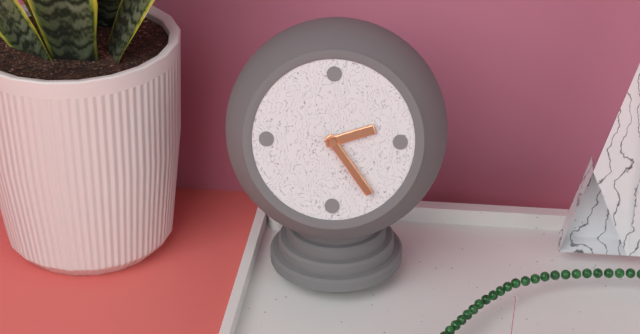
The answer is 2:24
